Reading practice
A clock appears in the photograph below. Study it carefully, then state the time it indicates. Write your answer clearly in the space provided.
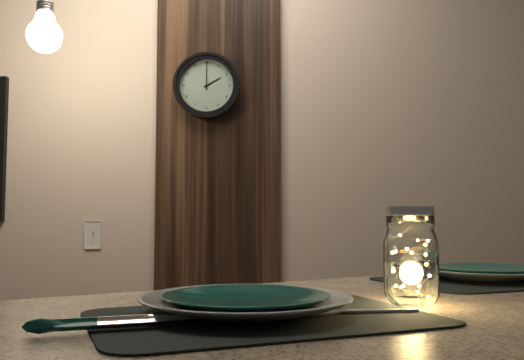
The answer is 2:00
